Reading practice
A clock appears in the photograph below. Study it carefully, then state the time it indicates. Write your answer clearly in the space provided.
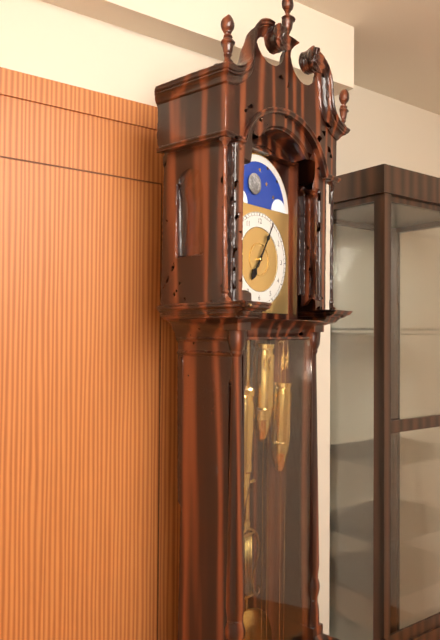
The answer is 7:05
